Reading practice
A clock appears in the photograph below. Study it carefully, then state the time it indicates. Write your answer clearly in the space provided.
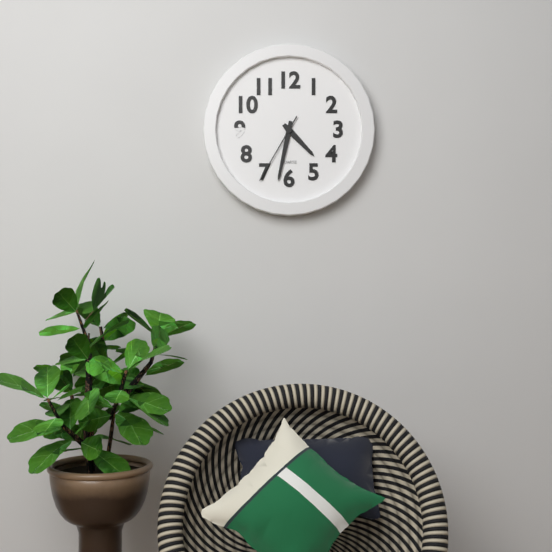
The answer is 4:32:35
